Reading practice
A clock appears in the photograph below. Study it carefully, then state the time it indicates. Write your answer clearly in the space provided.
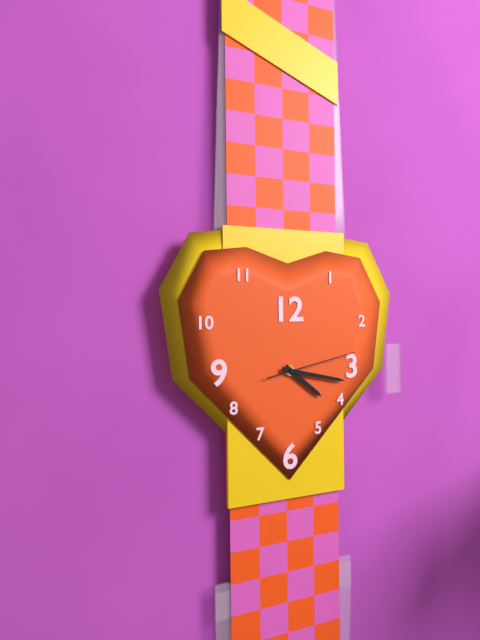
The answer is 4:17:13
